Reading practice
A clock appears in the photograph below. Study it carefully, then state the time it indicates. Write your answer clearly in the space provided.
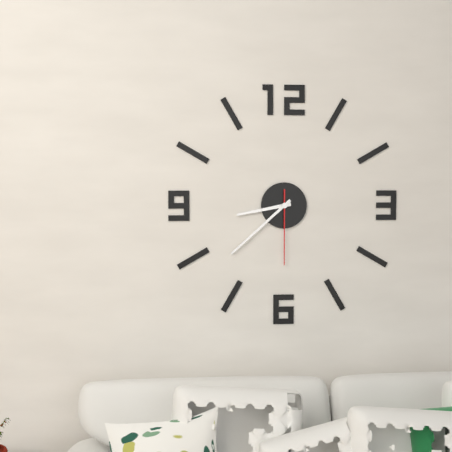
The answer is 8:38:30
